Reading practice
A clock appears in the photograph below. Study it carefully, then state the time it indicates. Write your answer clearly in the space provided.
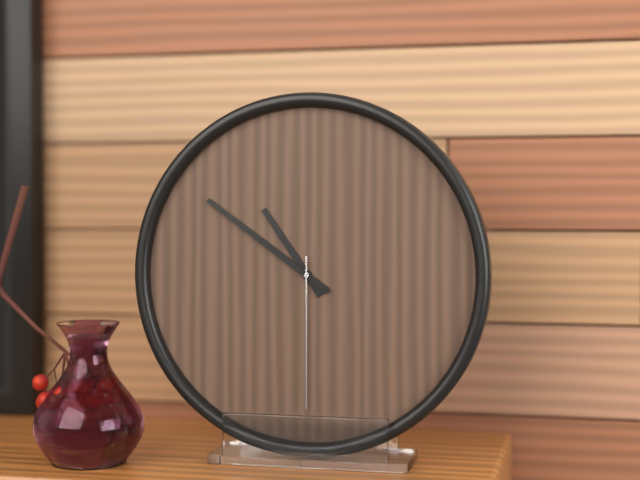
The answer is 10:51:30
